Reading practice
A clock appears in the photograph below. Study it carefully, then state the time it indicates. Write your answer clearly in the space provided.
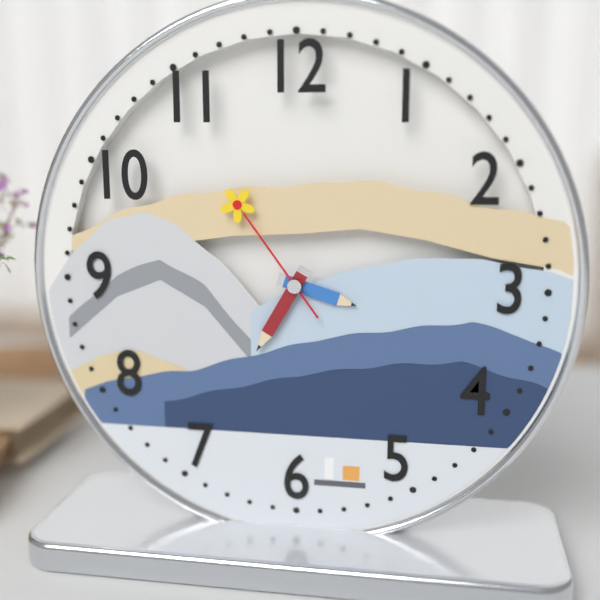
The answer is 3:35:54
